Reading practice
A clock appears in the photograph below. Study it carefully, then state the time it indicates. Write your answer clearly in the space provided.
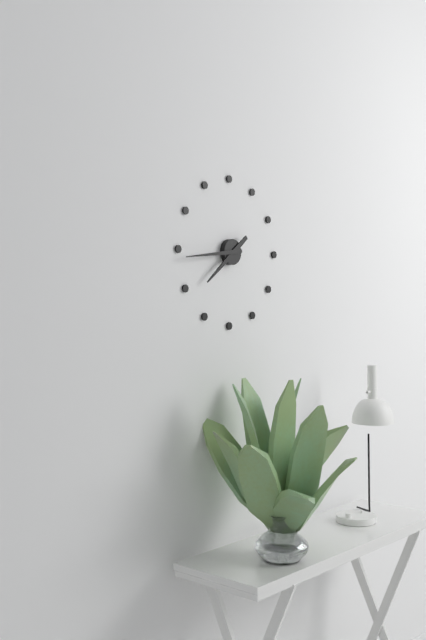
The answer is 7:44
